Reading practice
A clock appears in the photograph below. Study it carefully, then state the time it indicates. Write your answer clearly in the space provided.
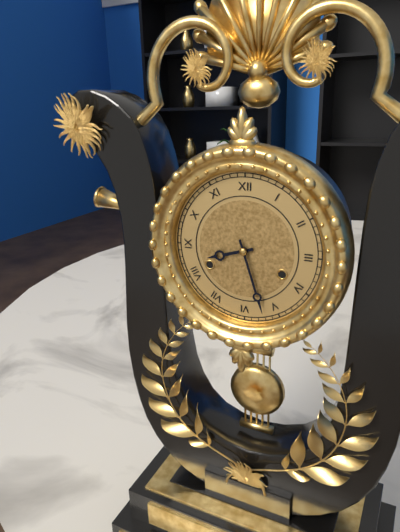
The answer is 8:27
